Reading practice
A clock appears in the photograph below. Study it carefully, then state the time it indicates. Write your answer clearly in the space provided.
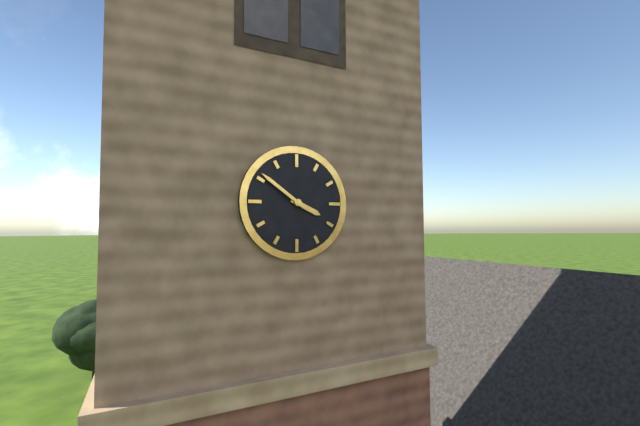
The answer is 3:51
